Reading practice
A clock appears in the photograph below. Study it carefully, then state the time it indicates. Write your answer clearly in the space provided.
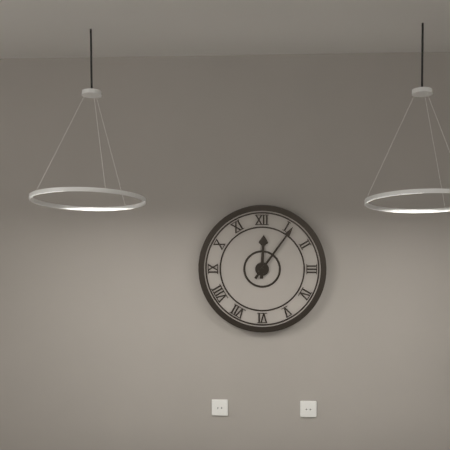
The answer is 12:06
